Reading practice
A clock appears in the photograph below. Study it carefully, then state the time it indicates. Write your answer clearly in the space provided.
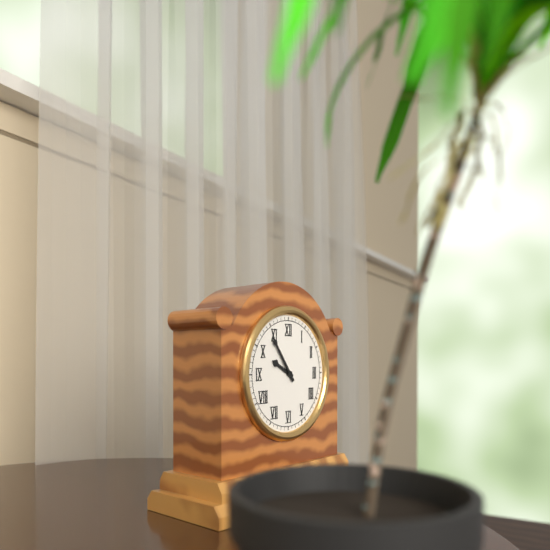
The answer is 9:54
